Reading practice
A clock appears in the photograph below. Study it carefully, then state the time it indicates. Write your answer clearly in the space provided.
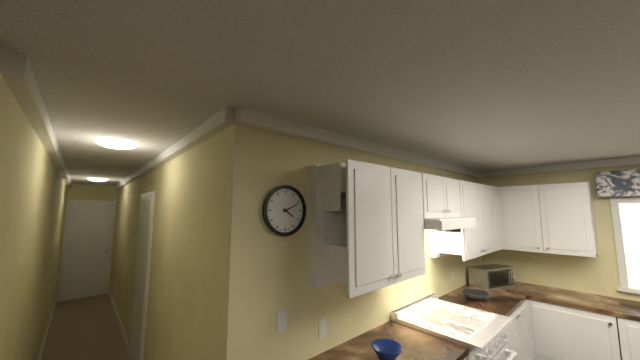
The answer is 4:11
